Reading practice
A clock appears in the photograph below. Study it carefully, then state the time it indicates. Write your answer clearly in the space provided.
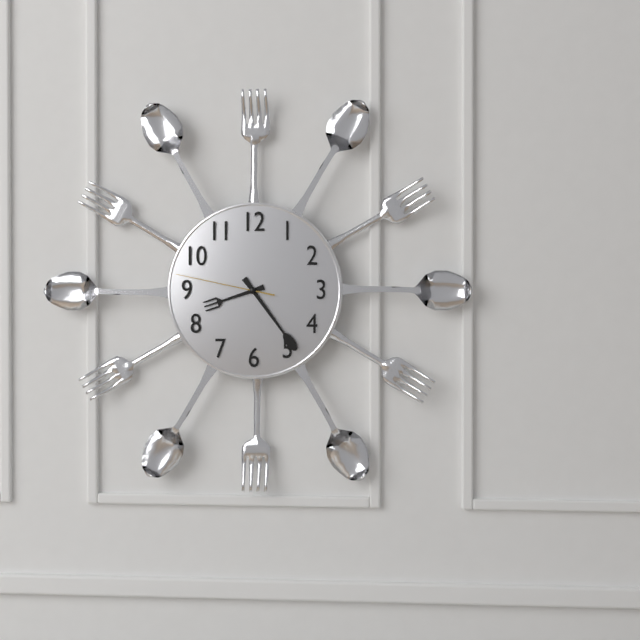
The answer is 8:24:47
